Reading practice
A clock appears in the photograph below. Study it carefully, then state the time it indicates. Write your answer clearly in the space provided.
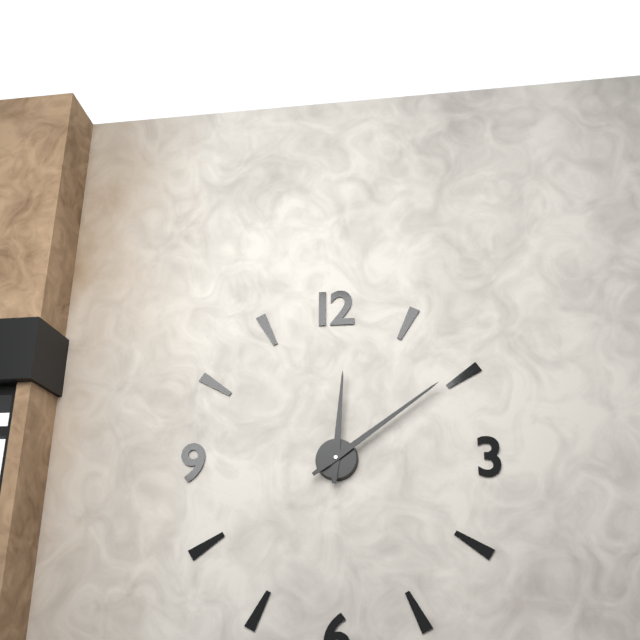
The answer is 12:09
